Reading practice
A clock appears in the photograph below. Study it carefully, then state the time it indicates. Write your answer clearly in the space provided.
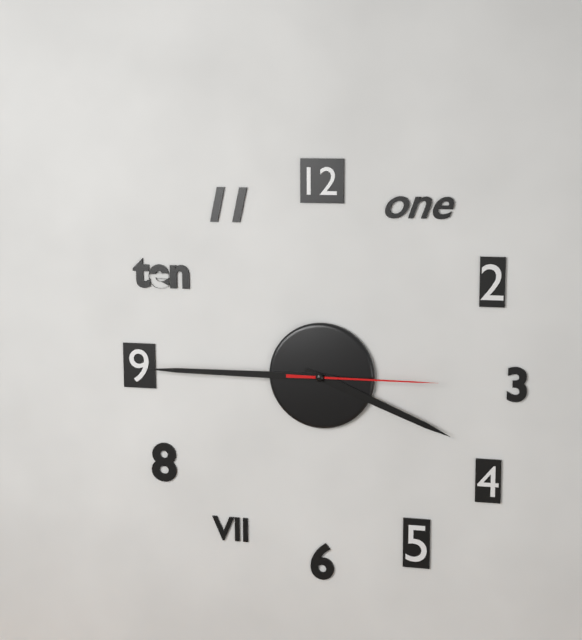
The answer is 3:45:15
